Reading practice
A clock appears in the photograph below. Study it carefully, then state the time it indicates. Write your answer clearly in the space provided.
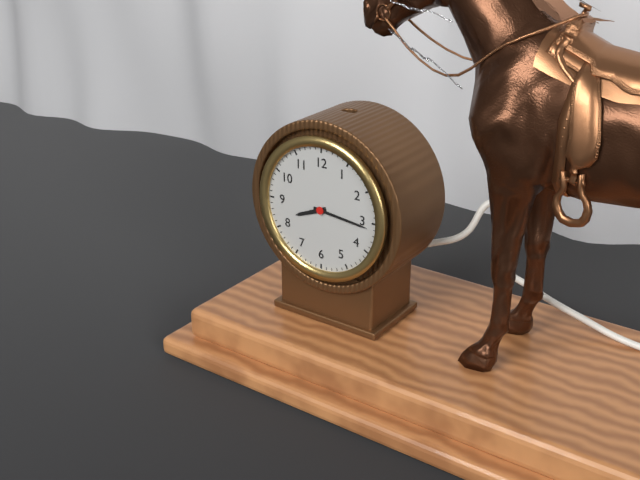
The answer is 8:16
